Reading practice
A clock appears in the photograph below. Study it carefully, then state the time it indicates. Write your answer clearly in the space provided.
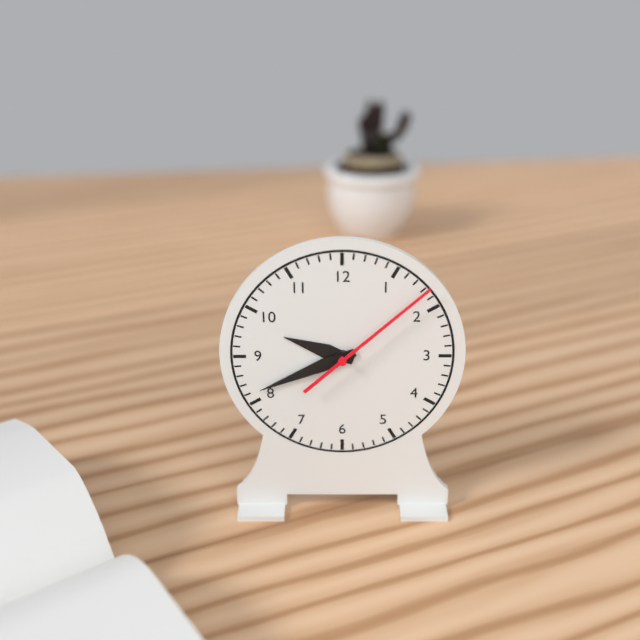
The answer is 9:41:08
